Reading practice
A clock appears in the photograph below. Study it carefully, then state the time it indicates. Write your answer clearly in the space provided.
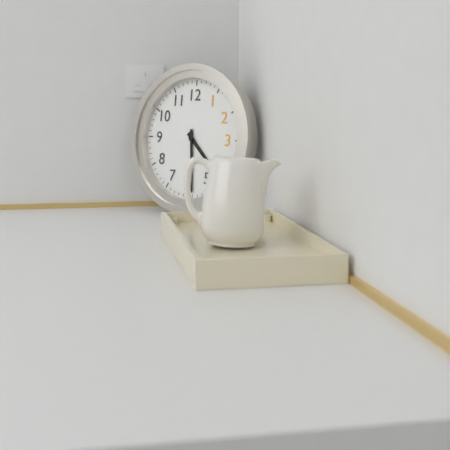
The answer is 4:29
